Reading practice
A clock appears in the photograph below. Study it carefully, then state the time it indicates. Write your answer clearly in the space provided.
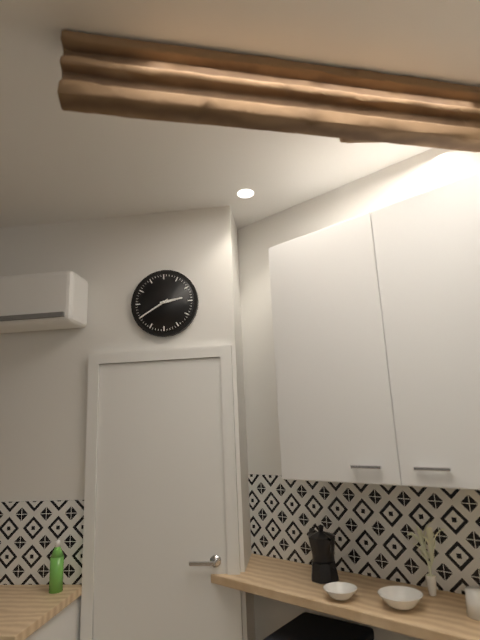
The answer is 2:40
